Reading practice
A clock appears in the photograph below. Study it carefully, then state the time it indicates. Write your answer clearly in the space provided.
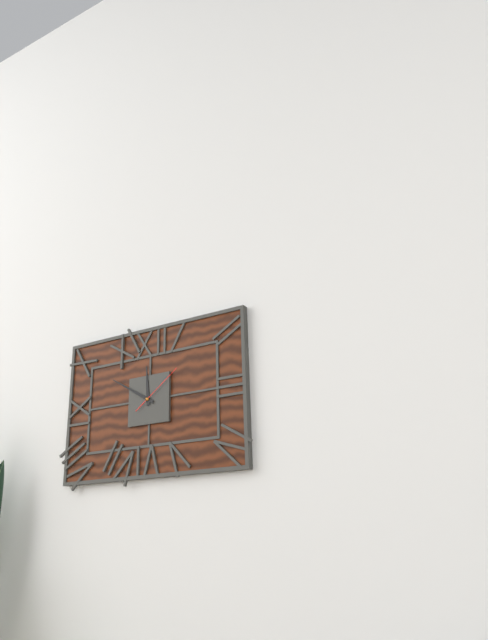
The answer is 11:50:09
